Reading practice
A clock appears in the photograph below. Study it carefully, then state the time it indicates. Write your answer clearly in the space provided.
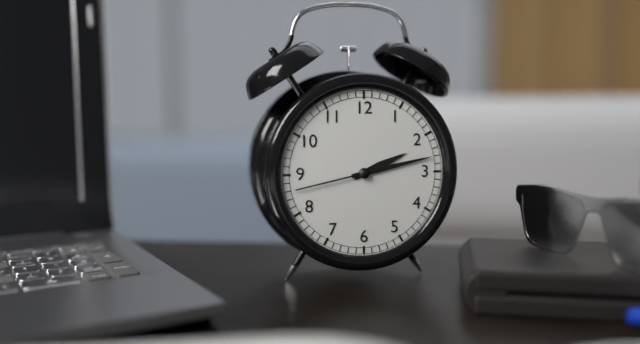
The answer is 2:13:43
